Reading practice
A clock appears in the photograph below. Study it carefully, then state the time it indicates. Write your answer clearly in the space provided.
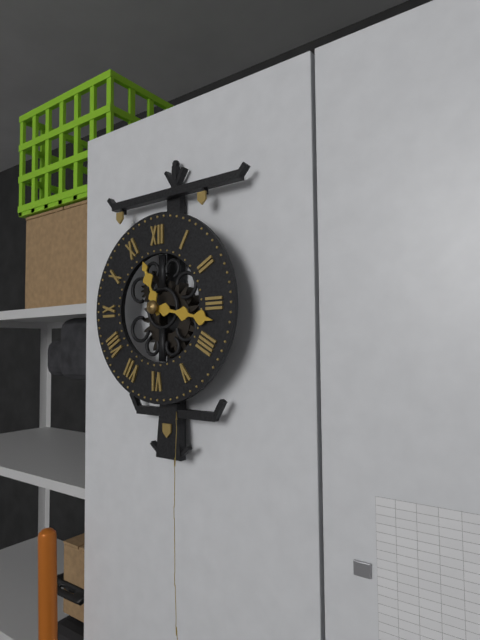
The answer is 11:17
